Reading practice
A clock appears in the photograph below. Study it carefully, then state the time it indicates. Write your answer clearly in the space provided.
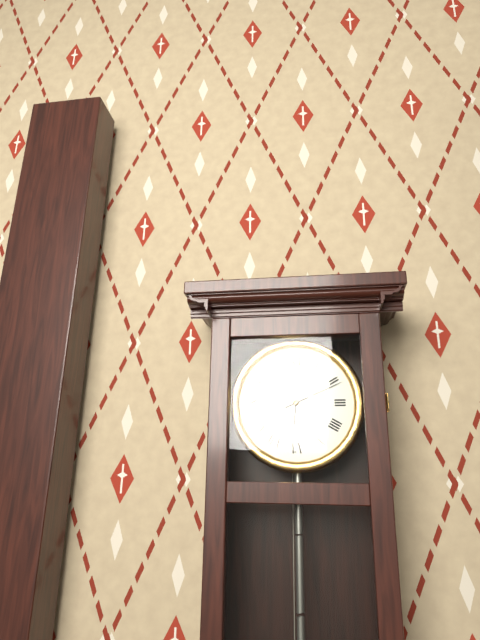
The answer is 6:11
